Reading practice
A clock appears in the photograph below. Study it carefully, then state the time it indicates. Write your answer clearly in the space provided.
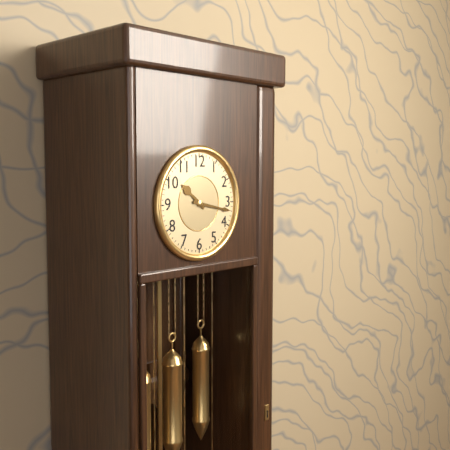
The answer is 10:17
